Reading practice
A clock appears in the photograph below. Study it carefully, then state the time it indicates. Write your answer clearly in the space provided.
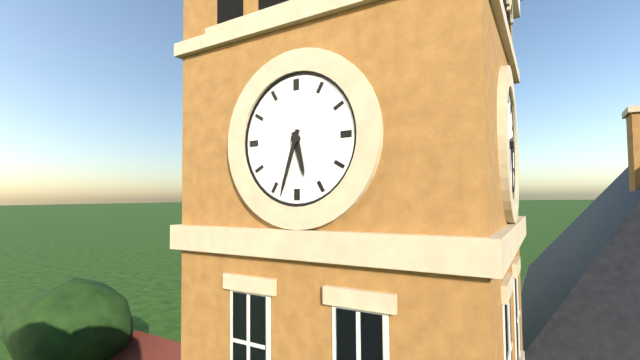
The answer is 5:33
